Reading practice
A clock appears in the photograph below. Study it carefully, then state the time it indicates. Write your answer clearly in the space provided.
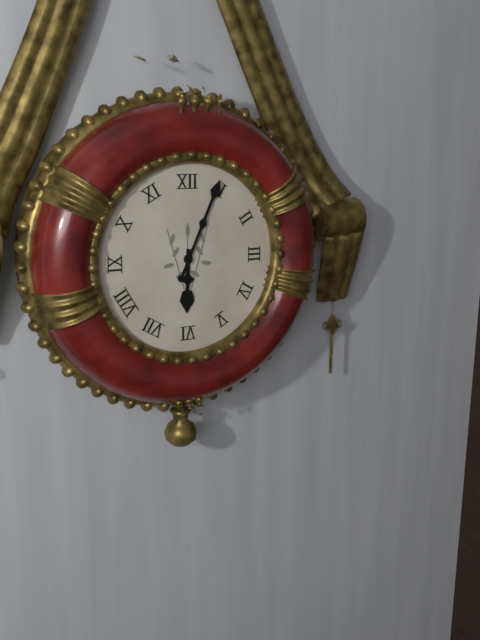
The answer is 6:04
